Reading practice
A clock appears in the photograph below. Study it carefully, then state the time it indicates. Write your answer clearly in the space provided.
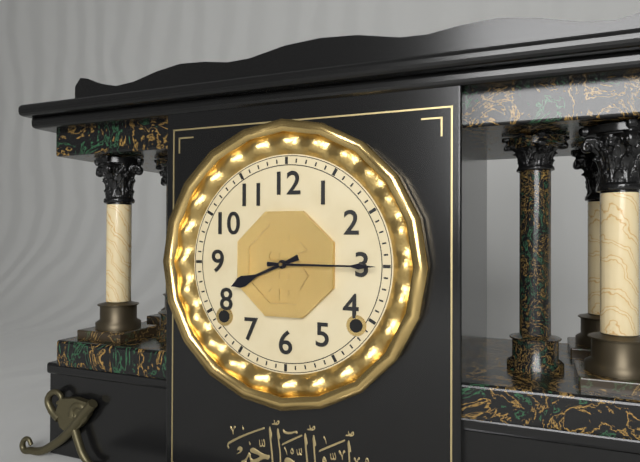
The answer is 8:15
